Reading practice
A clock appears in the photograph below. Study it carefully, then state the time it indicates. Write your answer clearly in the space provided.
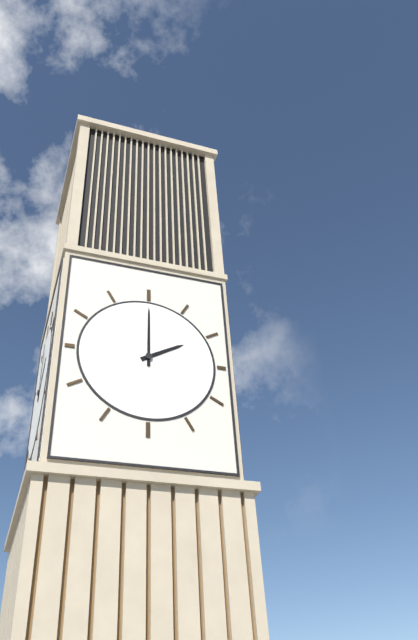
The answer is 2:00
